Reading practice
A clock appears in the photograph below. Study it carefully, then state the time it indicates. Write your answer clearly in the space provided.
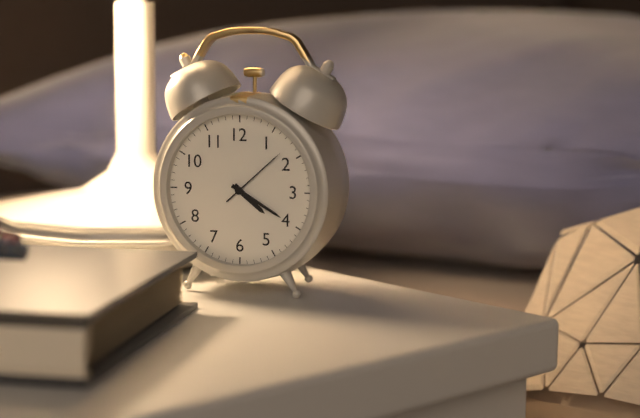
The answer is 4:20:08
